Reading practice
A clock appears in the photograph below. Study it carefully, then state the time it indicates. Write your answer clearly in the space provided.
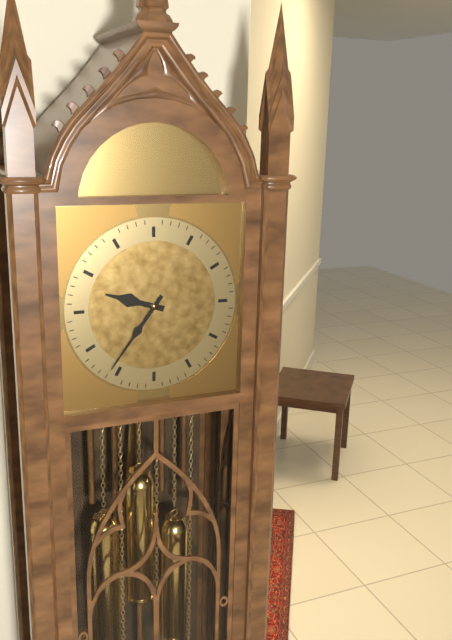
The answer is 9:36
